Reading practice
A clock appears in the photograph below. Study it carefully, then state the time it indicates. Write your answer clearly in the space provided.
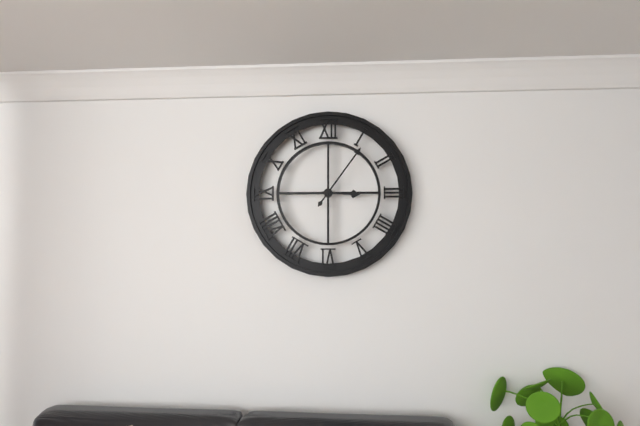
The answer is 3:06
